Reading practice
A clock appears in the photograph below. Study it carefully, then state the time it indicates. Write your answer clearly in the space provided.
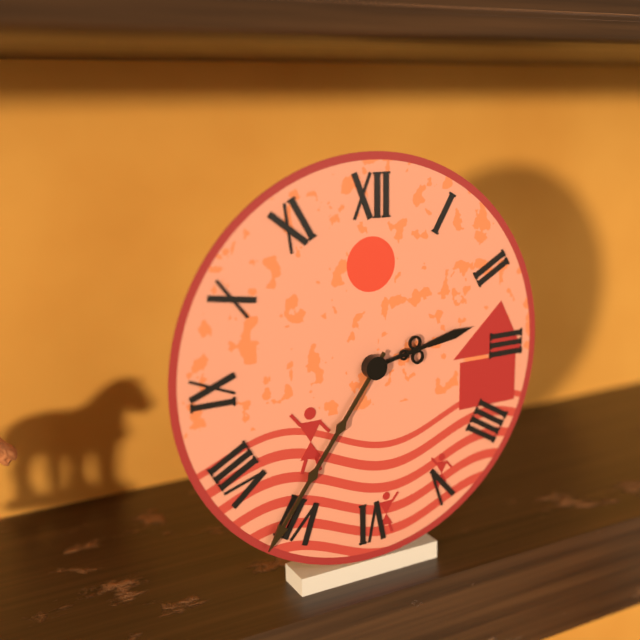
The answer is 2:36
